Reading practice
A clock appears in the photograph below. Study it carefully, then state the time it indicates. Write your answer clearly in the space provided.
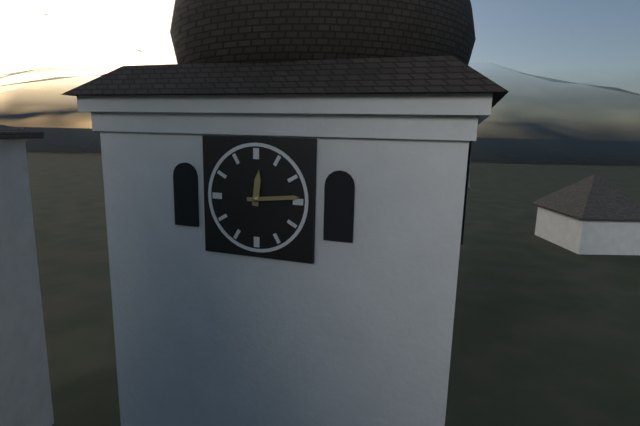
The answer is 12:14
